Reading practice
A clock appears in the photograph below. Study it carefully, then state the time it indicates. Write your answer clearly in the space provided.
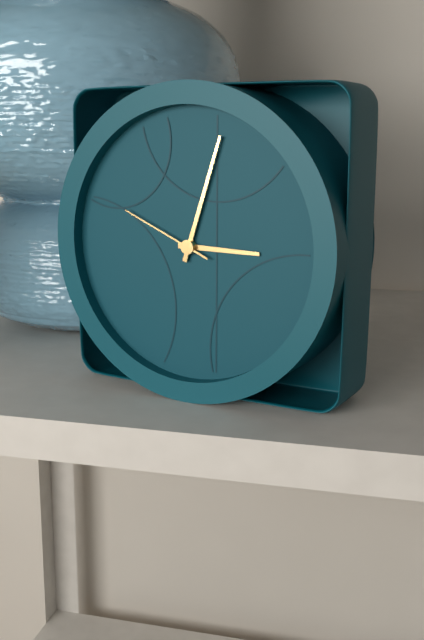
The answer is 3:03:49
